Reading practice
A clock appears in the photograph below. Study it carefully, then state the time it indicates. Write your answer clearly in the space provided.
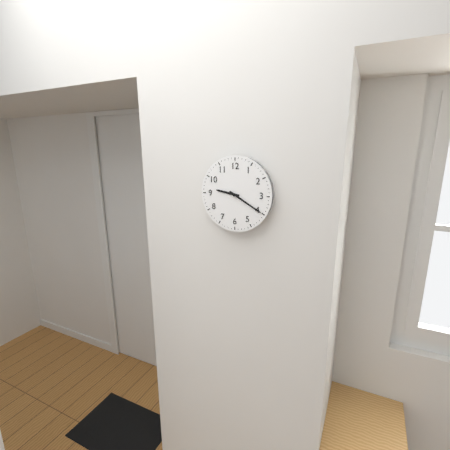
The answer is 9:20
